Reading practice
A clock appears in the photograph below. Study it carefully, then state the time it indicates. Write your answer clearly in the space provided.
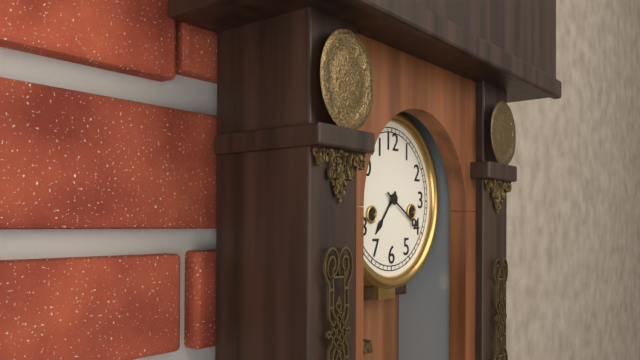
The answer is 7:20
